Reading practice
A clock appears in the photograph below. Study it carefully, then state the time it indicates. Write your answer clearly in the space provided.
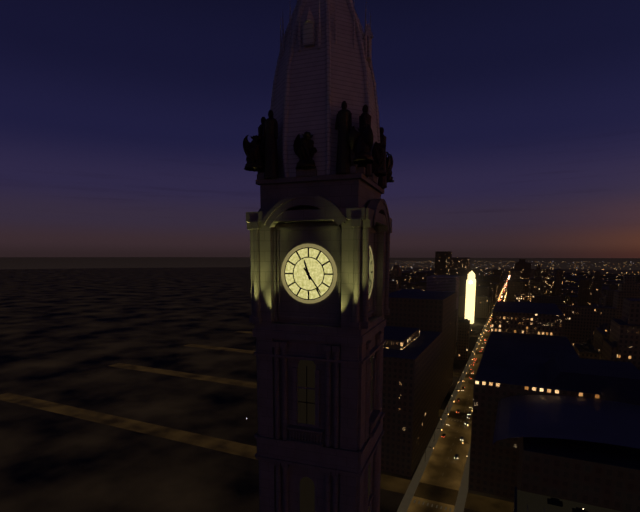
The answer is 11:24
